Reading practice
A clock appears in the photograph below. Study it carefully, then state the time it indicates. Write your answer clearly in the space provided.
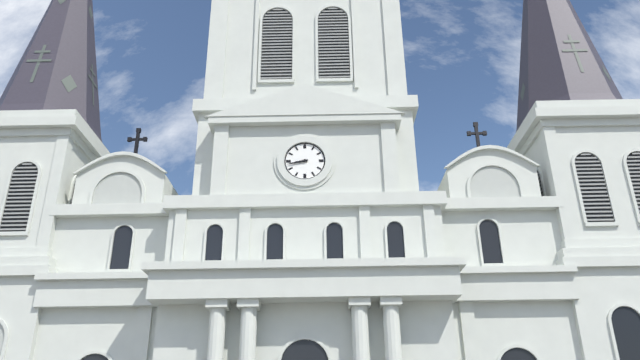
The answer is 8:43
